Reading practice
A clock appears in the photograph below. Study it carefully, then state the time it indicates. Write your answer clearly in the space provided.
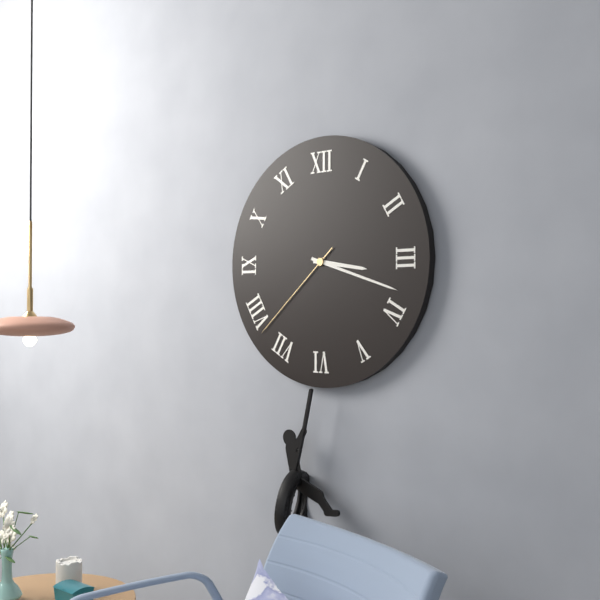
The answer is 3:18:38
